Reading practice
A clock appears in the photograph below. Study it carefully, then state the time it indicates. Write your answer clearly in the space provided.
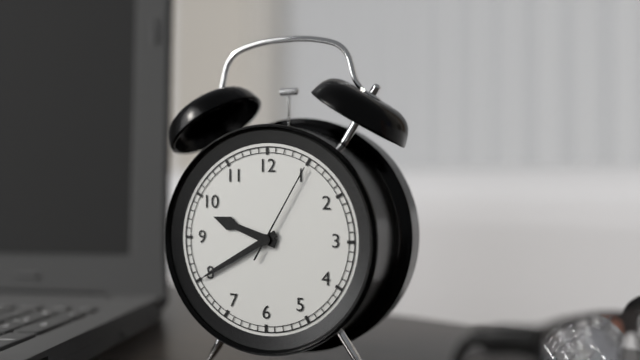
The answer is 9:40:05
